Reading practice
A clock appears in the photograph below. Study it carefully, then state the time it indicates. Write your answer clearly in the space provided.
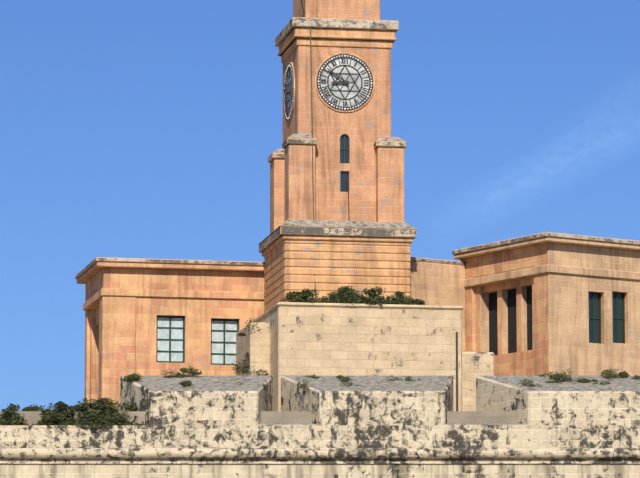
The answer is 8:51
